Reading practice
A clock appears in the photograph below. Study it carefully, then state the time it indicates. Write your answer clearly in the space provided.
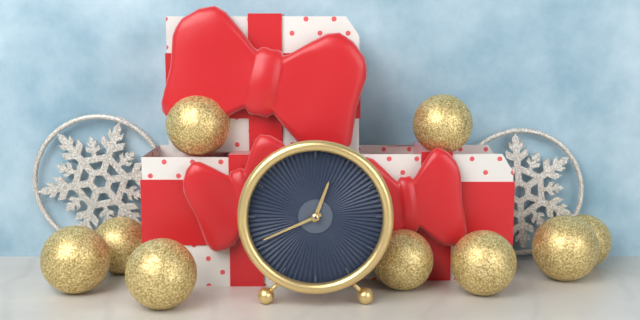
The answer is 12:41
